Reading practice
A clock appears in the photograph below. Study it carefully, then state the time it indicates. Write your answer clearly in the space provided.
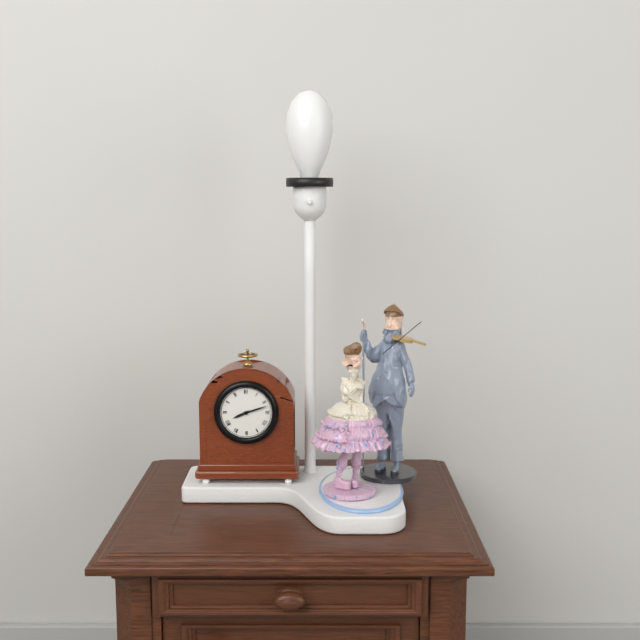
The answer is 8:12
